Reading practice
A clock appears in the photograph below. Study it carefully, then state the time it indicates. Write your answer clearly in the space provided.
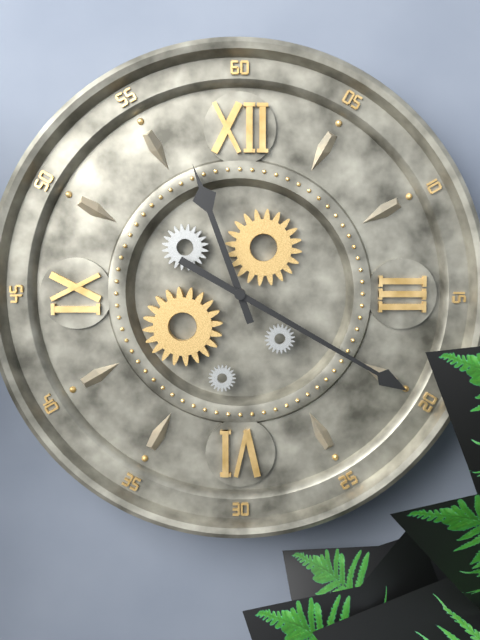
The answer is 11:20
